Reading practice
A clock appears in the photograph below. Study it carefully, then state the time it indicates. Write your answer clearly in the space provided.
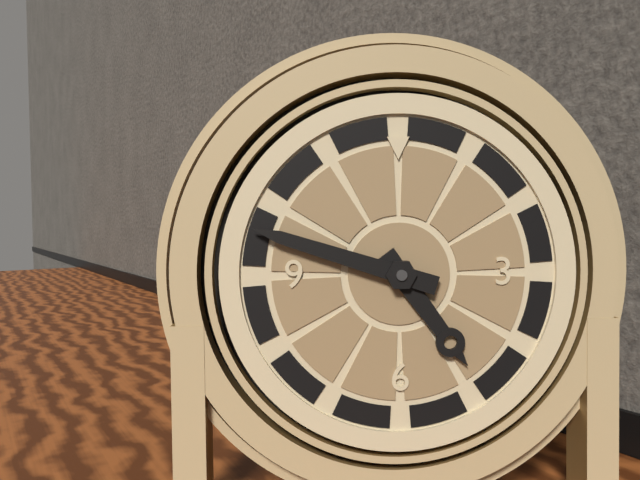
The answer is 4:48
